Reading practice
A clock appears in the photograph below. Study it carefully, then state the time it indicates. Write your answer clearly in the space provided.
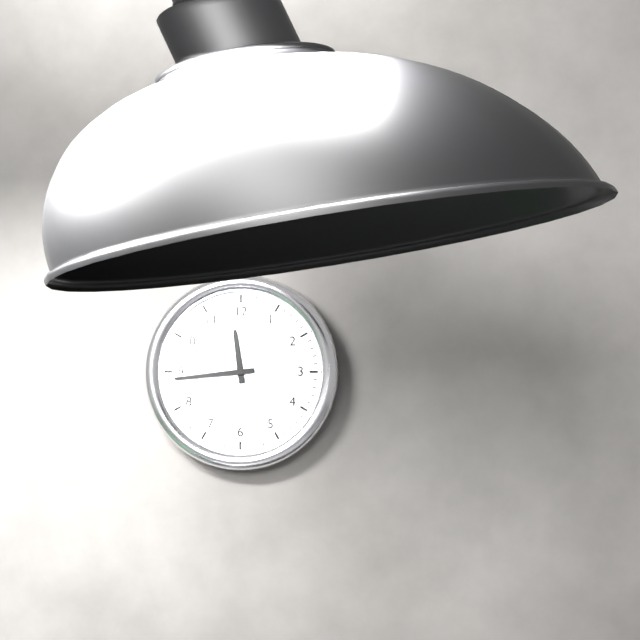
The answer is 11:44
